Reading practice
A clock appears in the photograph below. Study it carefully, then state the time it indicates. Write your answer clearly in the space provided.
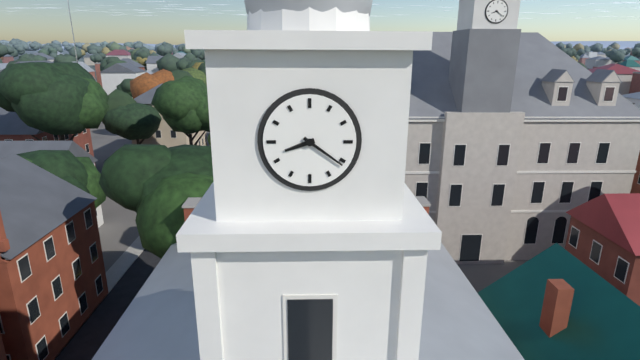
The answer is 8:21
